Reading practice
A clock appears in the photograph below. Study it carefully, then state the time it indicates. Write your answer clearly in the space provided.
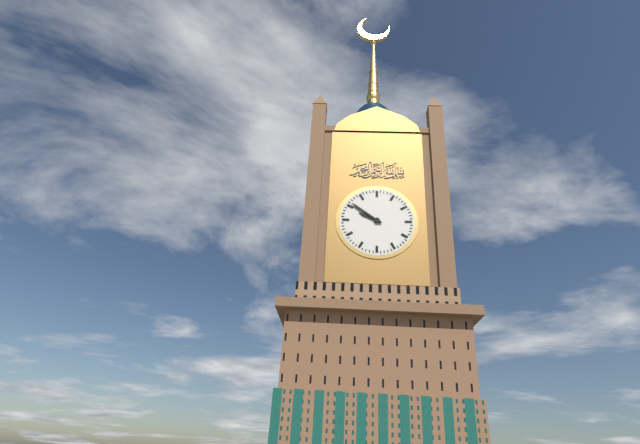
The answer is 9:51
